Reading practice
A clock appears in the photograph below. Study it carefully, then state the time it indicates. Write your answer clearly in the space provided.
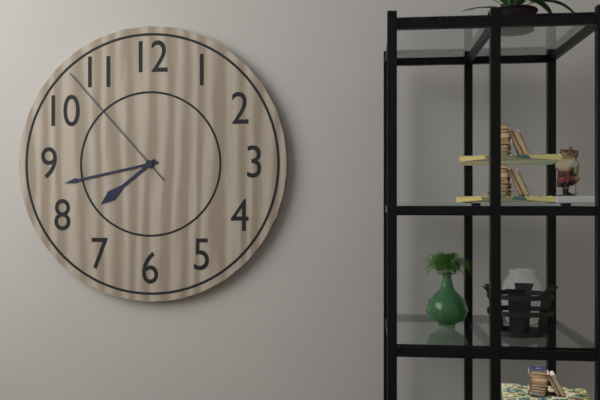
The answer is 7:43:53
